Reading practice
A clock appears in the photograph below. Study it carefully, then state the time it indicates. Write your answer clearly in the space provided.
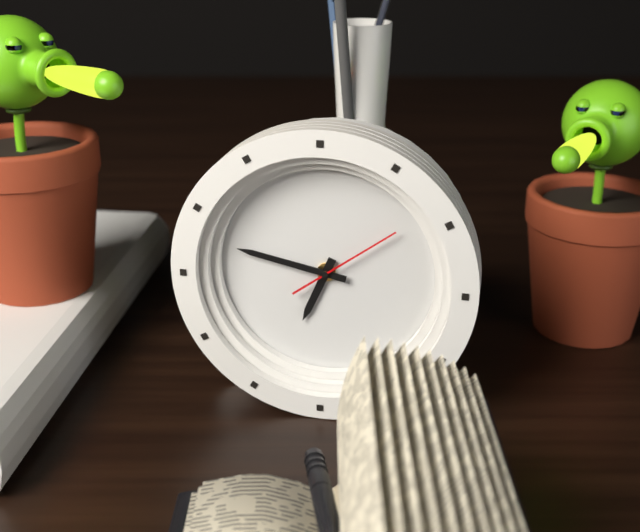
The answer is 6:47:09
